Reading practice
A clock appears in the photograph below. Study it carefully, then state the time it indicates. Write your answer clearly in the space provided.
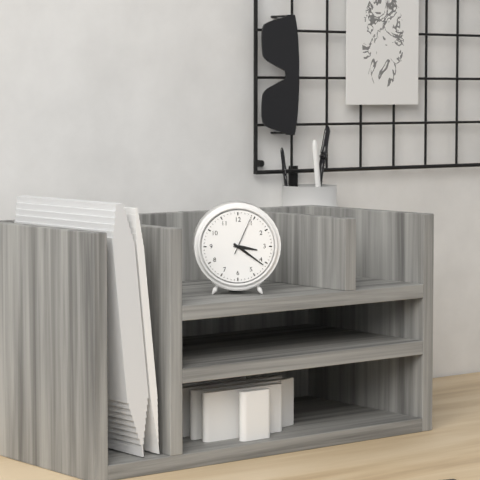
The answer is 3:21
